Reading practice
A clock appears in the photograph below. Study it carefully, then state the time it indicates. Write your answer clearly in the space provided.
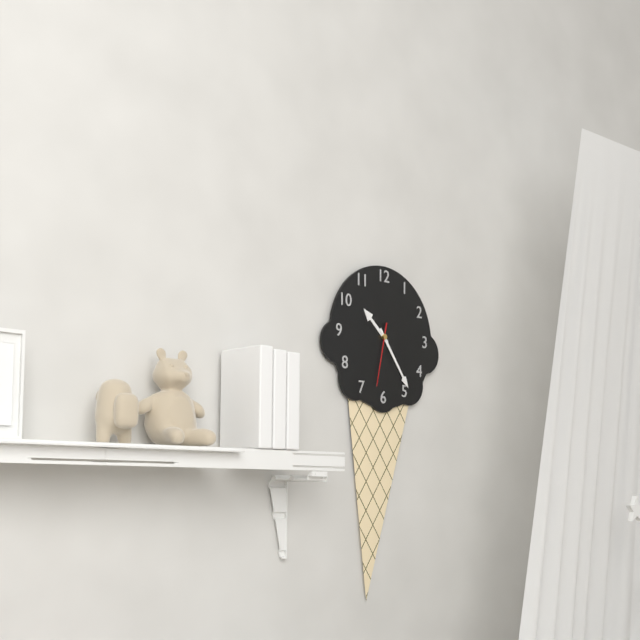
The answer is 10:24:32
